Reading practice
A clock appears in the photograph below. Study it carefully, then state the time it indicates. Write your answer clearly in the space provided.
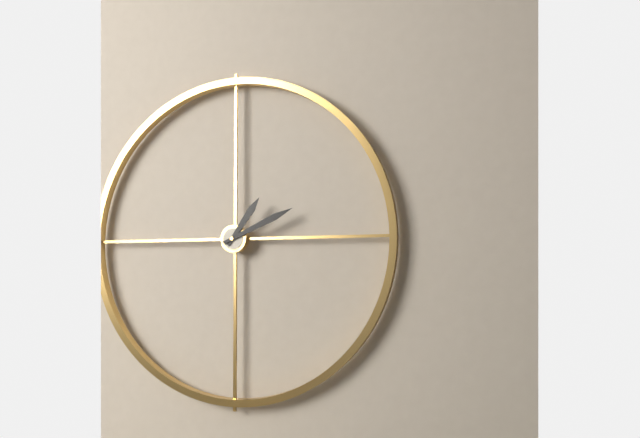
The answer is 1:11
